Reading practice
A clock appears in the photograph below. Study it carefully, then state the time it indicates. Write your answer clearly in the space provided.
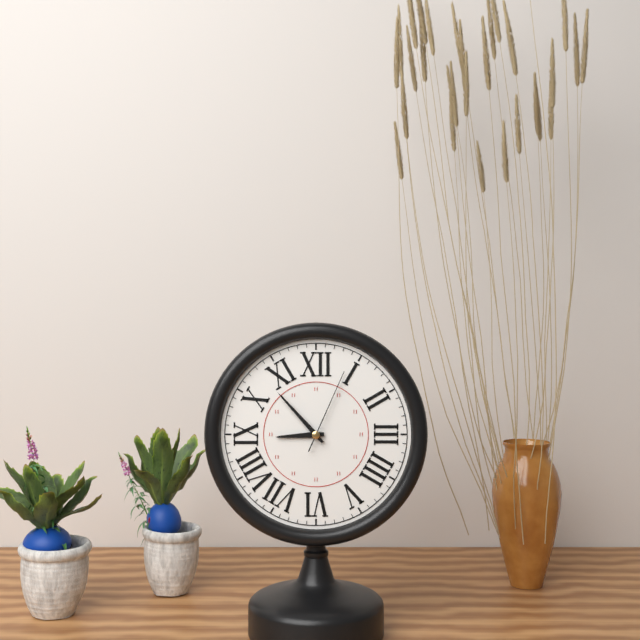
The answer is 8:53:04
